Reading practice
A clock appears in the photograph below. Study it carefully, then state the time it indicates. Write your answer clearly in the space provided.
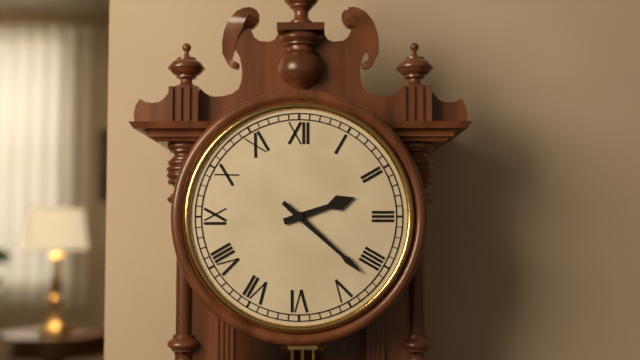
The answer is 2:22
